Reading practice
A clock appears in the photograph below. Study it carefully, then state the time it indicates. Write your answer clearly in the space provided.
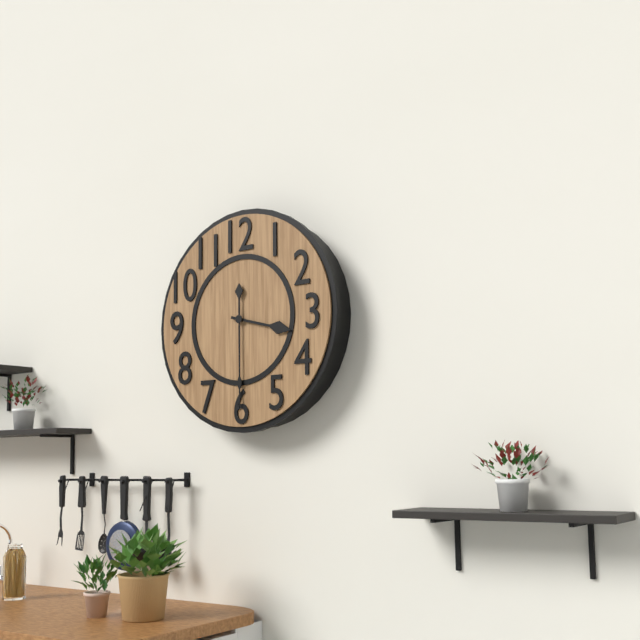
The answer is 3:30
